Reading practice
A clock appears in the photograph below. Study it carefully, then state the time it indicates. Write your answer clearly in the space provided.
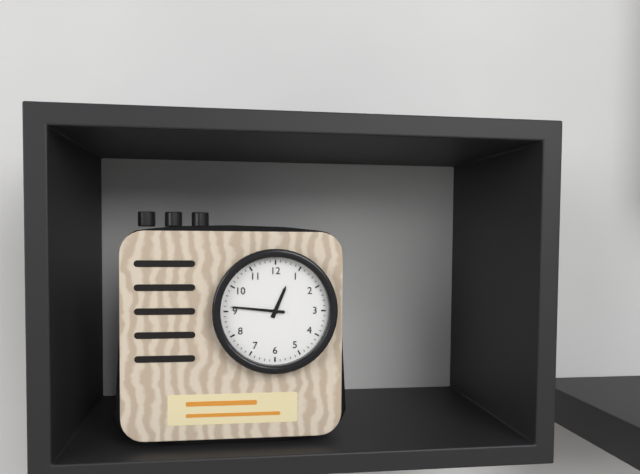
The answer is 12:46
